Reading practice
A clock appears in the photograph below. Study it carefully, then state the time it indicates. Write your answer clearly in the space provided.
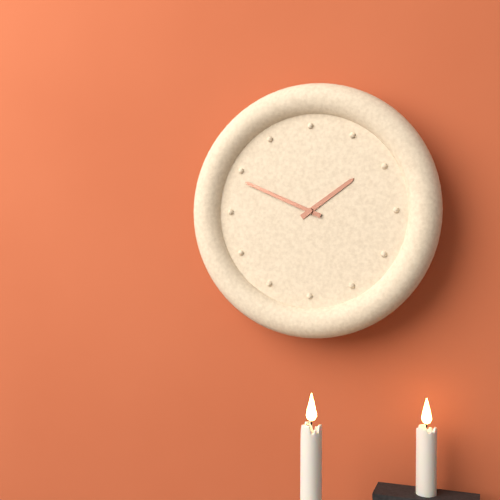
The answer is 1:49
